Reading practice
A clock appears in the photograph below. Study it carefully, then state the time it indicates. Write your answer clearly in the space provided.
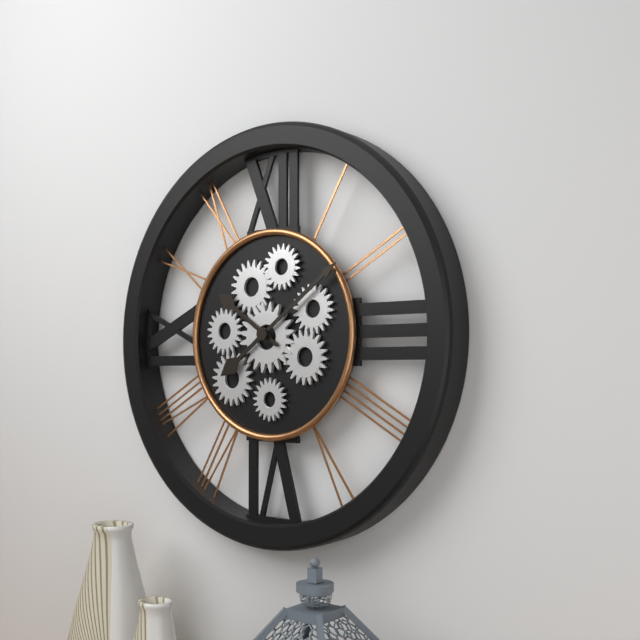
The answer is 10:09
